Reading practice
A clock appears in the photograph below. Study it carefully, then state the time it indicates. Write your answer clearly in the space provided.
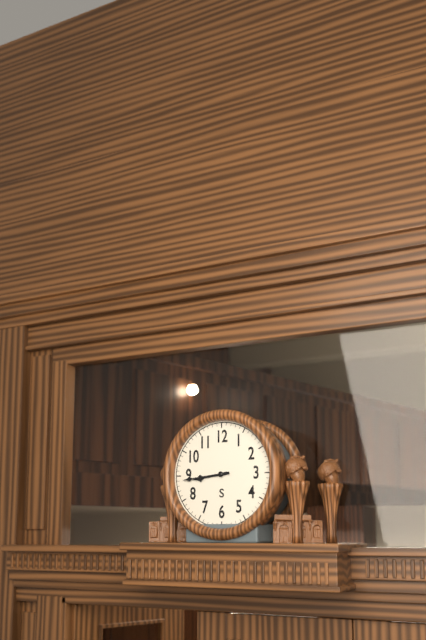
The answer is 8:44
